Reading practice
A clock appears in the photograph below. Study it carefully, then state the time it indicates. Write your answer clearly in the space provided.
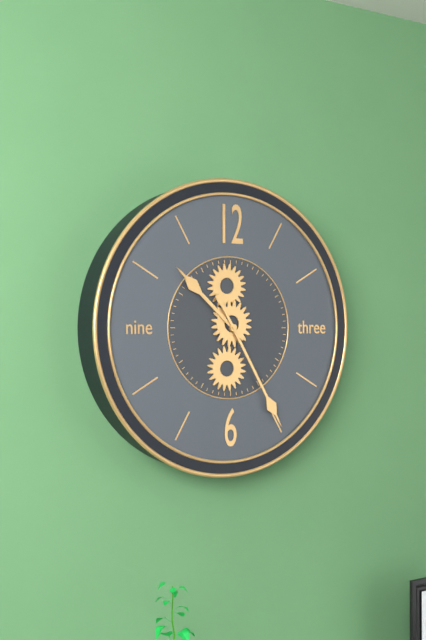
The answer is 10:25
